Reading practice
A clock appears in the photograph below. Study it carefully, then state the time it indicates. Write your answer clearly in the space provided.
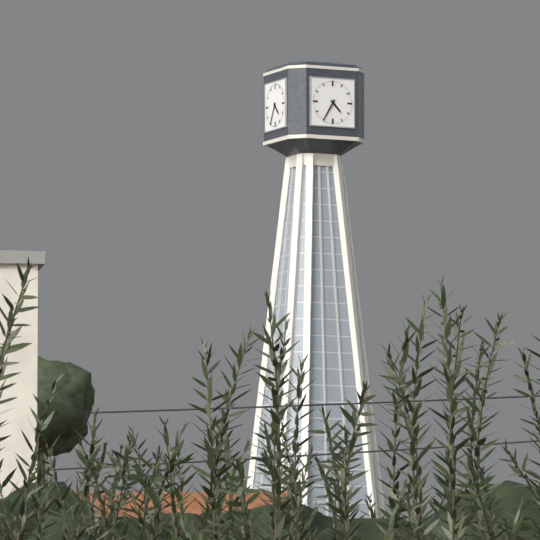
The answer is 4:35
